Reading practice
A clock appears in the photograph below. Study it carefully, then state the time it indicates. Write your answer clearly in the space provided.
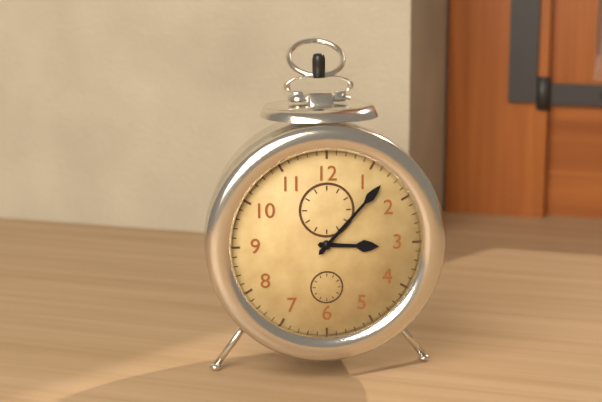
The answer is 3:07
